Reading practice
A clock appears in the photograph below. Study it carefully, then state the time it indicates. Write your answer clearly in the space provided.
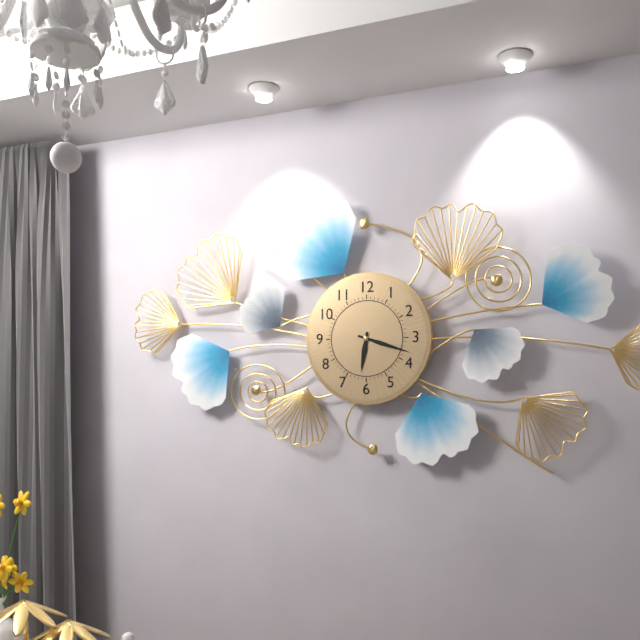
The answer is 6:18
